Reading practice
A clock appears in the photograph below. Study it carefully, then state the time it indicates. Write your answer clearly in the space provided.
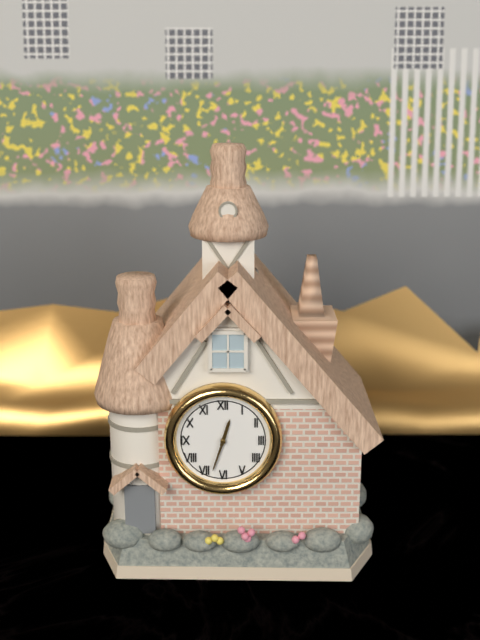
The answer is 12:33
